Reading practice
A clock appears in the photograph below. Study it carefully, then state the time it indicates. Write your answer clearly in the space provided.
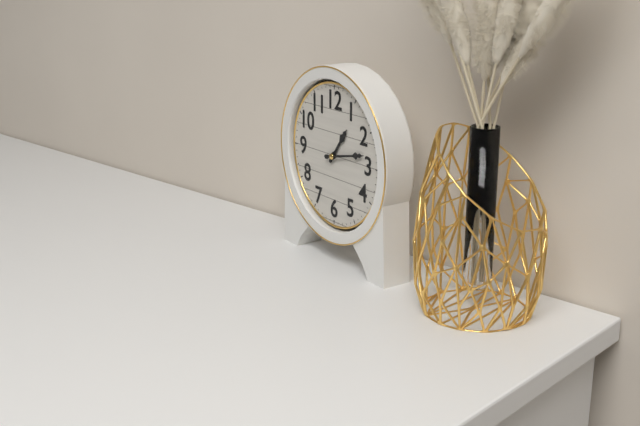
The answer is 1:13
